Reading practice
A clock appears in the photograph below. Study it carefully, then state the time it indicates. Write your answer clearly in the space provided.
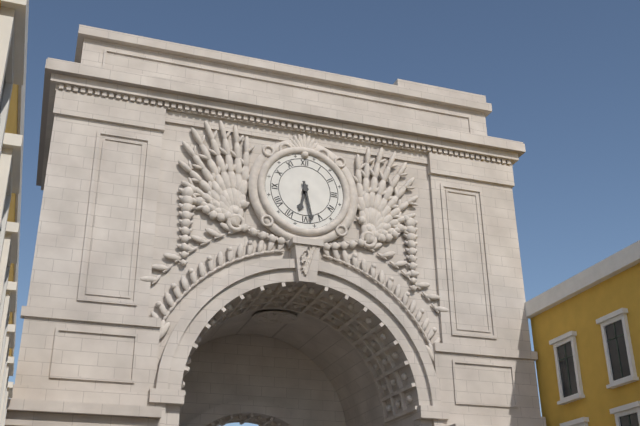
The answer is 6:28
